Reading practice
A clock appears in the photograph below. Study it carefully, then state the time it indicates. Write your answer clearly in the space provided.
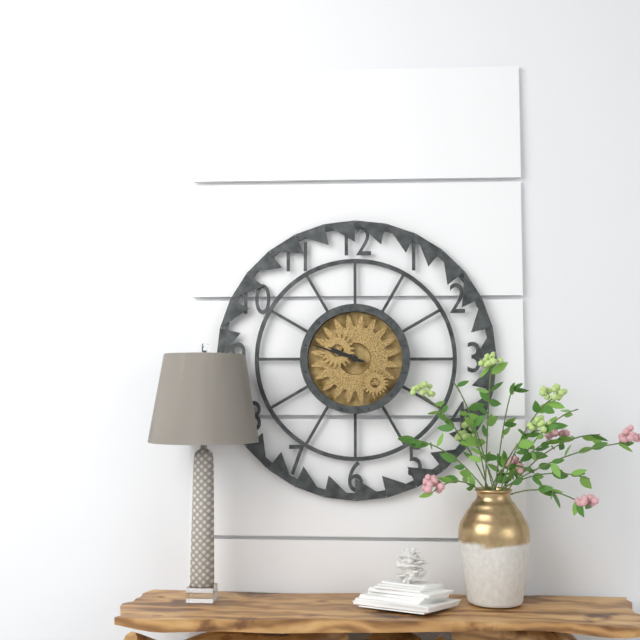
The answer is 9:48
